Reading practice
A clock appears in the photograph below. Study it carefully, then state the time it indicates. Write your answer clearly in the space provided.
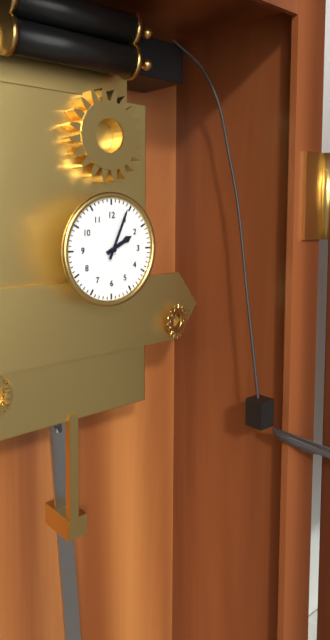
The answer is 2:04
